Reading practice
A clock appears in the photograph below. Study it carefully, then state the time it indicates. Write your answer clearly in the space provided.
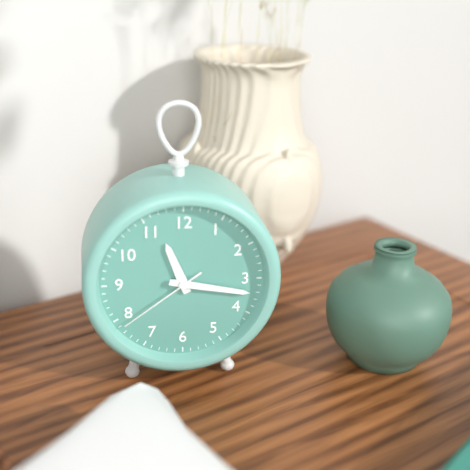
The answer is 11:17:39
